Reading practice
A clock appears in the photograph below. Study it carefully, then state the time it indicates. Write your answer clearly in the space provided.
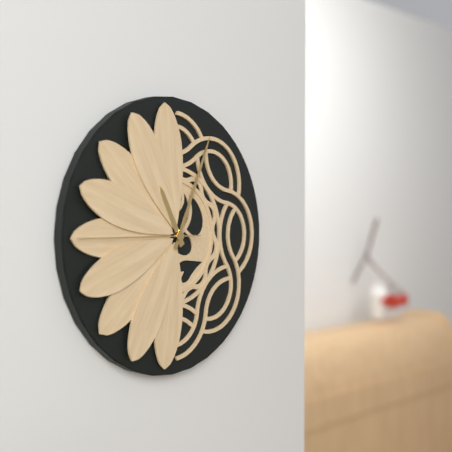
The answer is 11:04:45
